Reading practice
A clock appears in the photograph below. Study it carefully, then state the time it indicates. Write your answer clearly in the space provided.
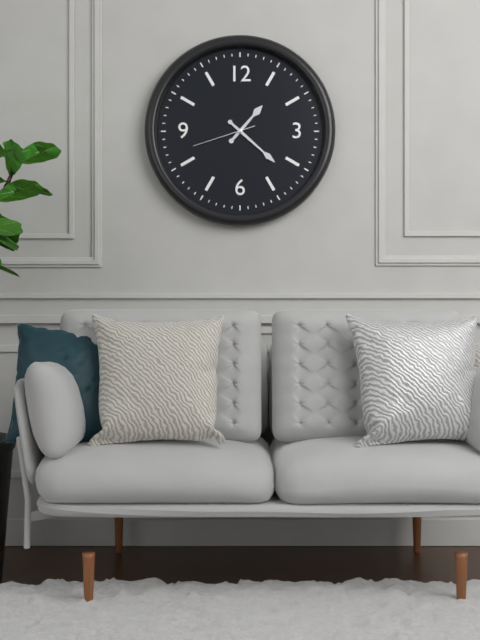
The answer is 1:22:42
